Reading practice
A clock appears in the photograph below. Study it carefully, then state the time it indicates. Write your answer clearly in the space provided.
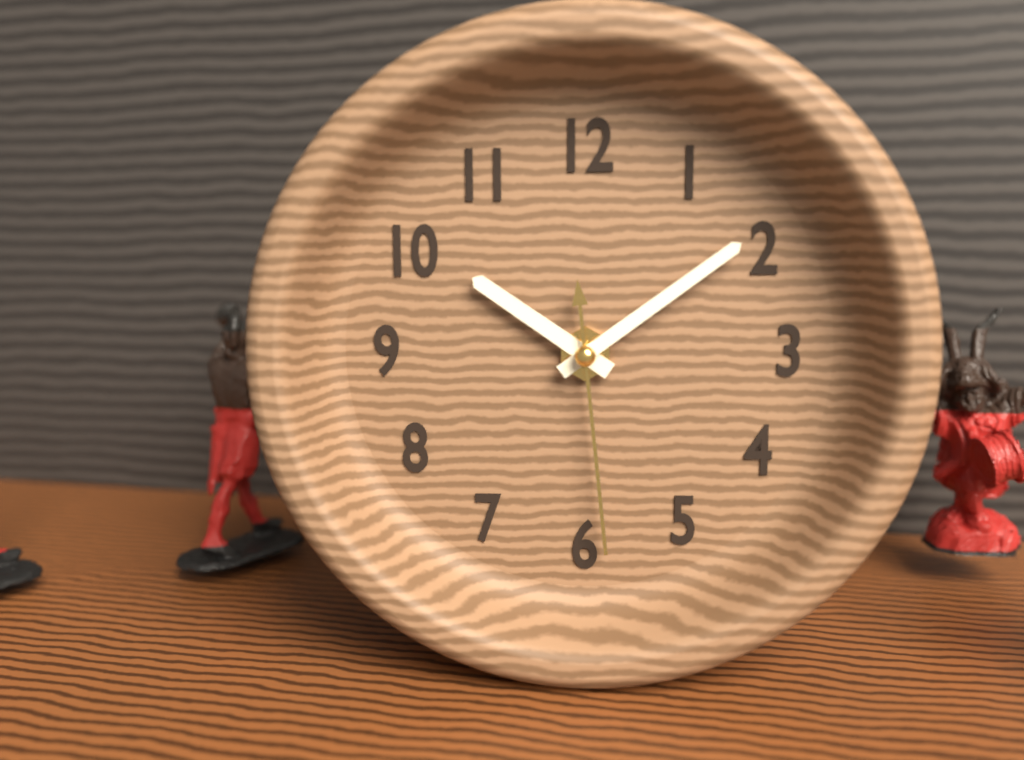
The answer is 10:09:29
